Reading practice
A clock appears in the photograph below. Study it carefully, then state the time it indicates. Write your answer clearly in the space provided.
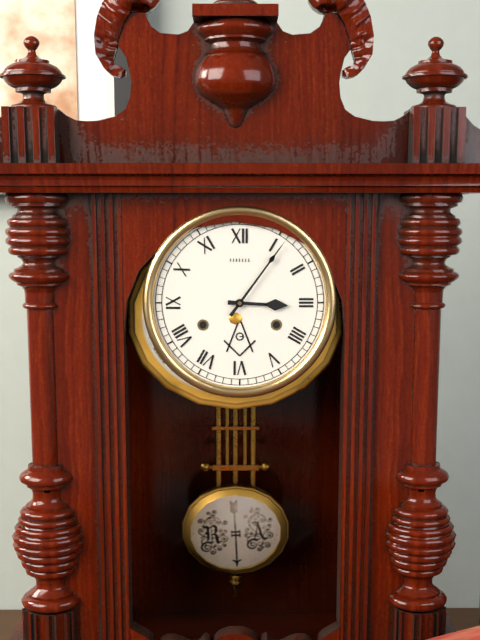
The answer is 3:06
